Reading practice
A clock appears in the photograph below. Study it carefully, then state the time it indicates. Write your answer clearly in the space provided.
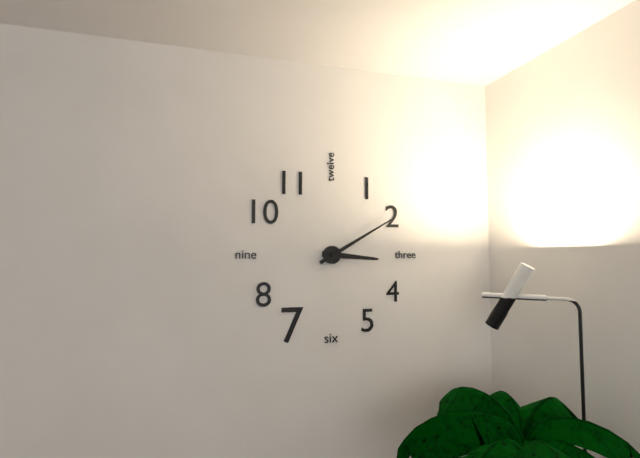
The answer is 3:10
